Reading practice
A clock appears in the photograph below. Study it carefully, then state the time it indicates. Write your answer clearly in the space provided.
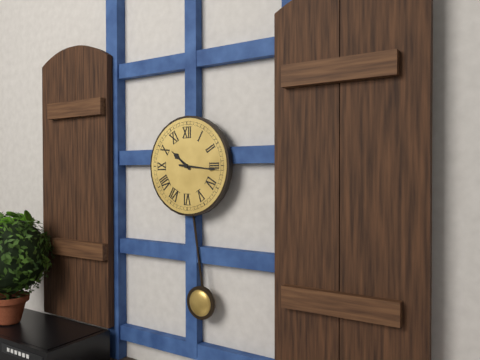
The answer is 10:16
